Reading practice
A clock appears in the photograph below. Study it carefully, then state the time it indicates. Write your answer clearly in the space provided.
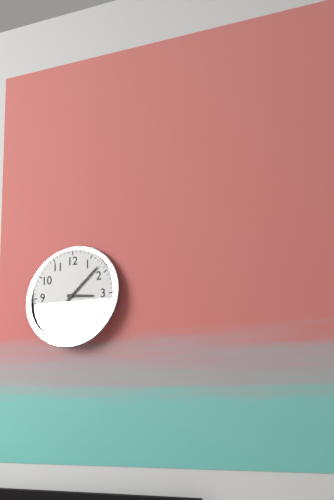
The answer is 3:08
